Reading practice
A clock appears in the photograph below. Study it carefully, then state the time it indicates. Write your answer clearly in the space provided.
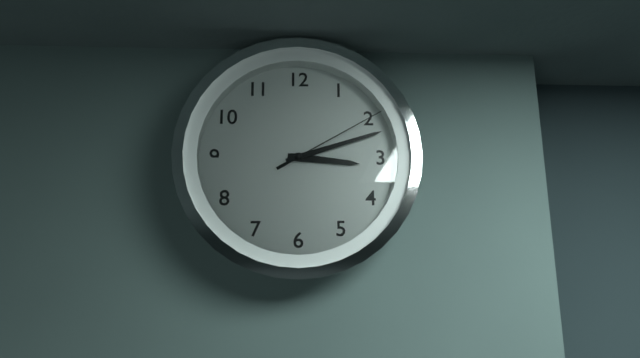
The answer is 3:12:10
